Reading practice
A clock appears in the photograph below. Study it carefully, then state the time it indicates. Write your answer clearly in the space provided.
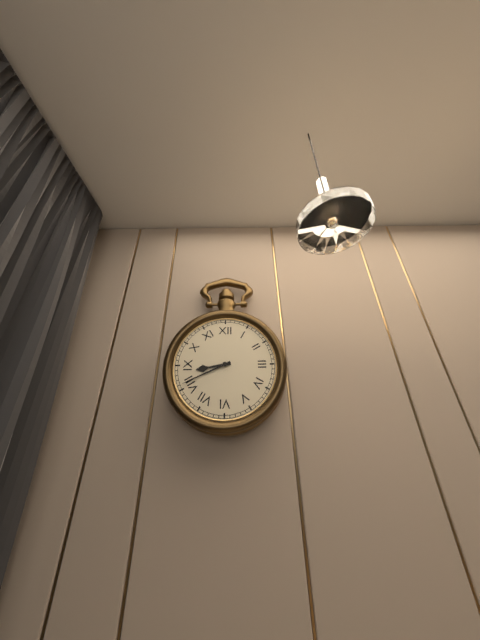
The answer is 8:41
